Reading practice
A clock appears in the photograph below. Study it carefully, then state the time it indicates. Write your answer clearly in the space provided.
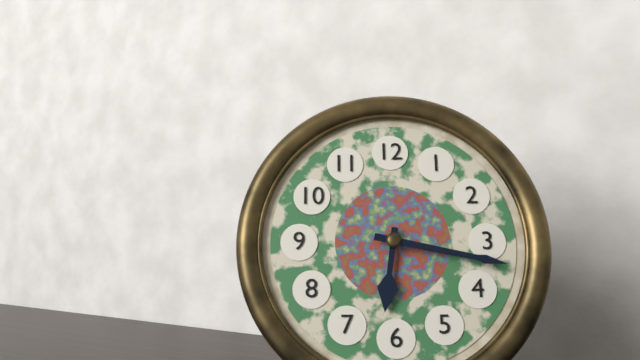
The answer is 6:17
